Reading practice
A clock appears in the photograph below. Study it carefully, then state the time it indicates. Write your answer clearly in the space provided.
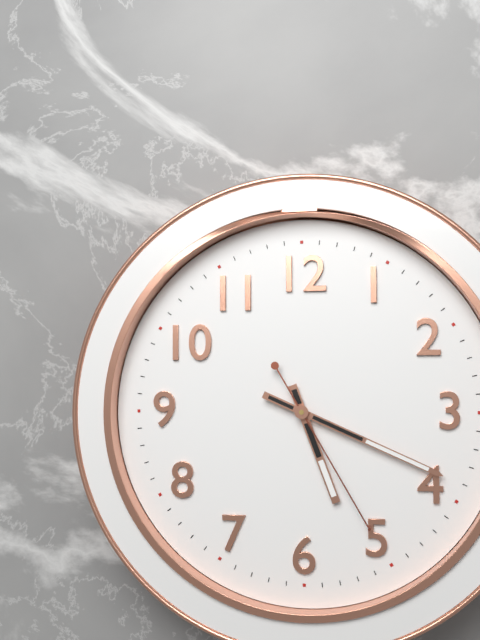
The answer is 5:19:25
